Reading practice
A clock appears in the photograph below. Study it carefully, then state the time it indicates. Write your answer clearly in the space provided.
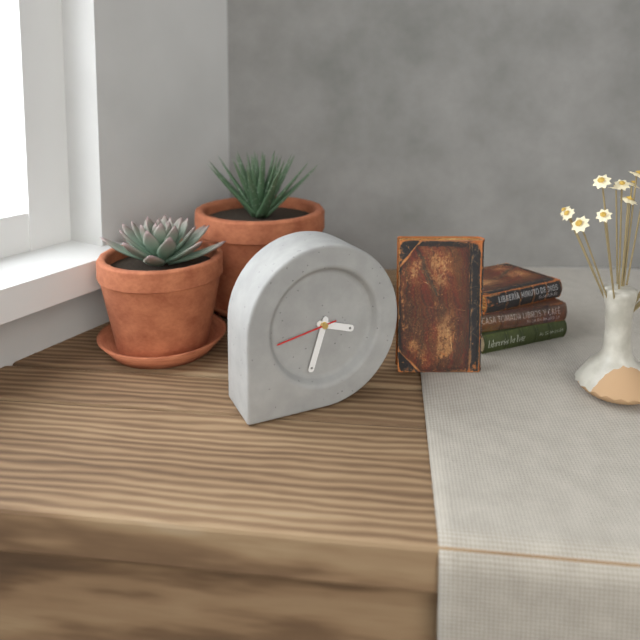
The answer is 3:33:43
